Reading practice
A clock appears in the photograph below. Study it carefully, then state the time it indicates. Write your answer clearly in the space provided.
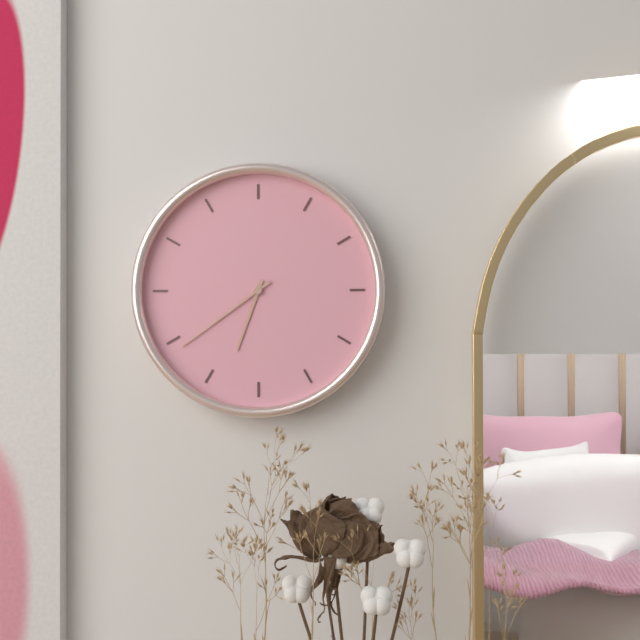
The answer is 6:39
